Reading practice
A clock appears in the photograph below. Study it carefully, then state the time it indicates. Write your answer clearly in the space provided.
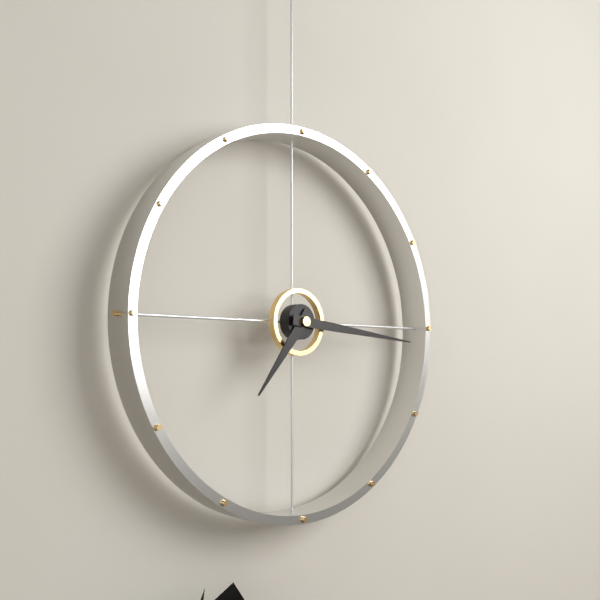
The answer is 7:16
